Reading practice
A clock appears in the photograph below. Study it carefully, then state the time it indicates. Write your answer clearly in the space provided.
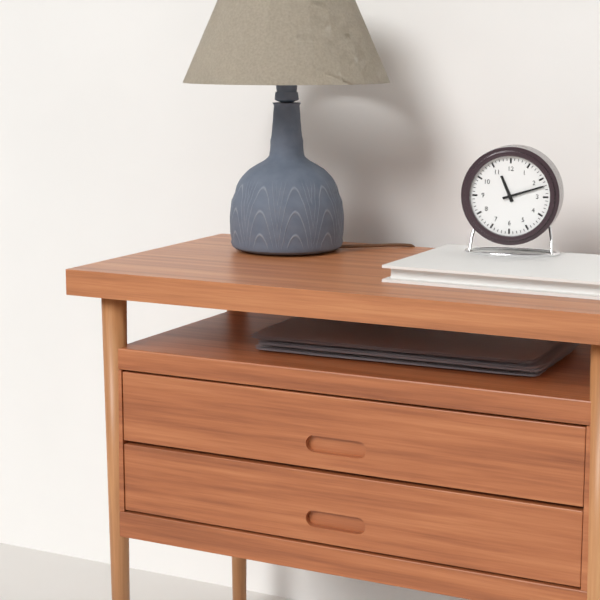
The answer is 11:12
